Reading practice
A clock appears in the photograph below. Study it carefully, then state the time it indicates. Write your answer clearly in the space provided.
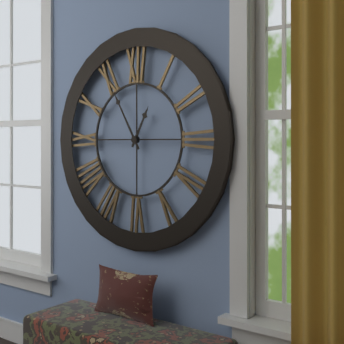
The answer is 12:55
